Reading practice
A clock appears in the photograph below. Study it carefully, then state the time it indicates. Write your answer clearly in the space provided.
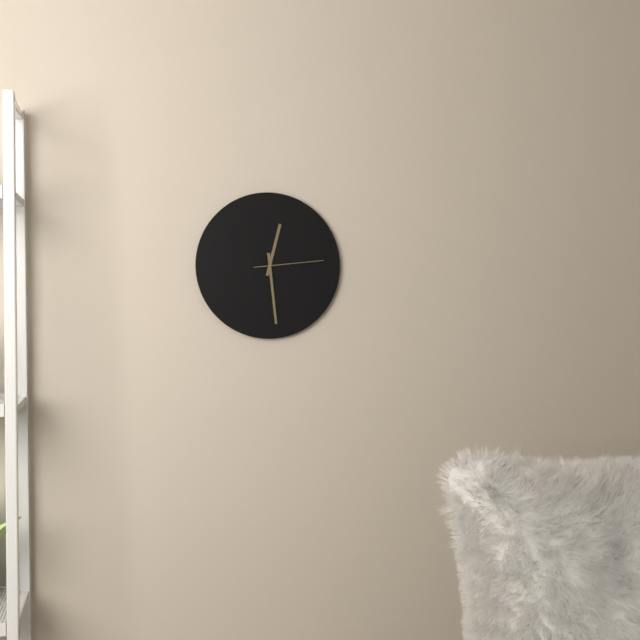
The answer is 12:29:14
